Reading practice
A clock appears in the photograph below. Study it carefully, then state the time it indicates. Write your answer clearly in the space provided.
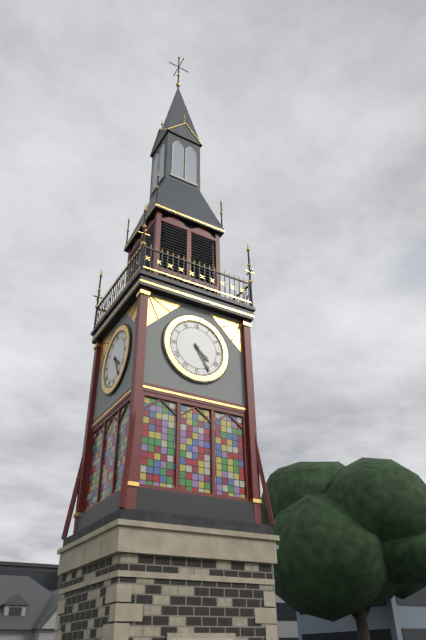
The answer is 4:25
